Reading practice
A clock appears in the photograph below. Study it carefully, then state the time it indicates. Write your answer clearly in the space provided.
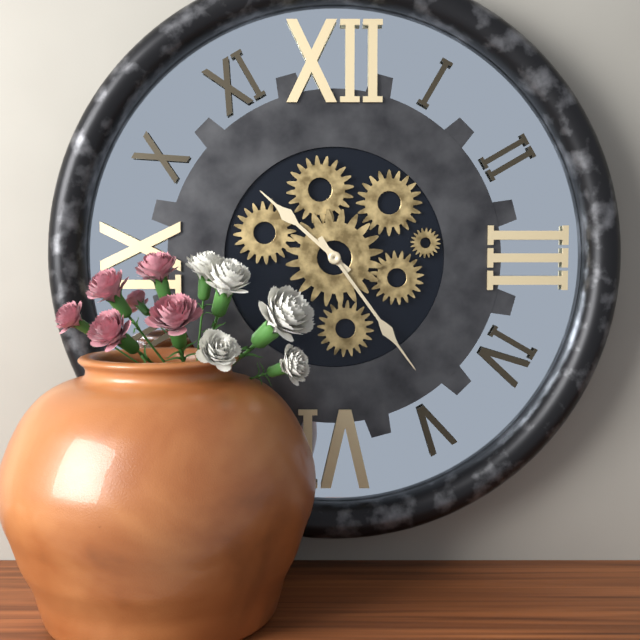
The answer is 10:24
